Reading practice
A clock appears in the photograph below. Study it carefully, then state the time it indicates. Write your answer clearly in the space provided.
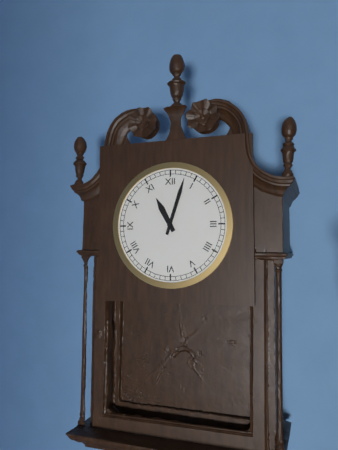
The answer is 11:03
